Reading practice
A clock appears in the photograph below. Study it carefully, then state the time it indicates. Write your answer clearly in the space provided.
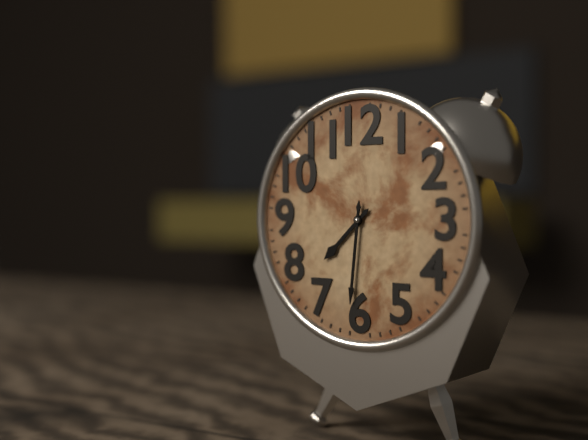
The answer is 7:31
